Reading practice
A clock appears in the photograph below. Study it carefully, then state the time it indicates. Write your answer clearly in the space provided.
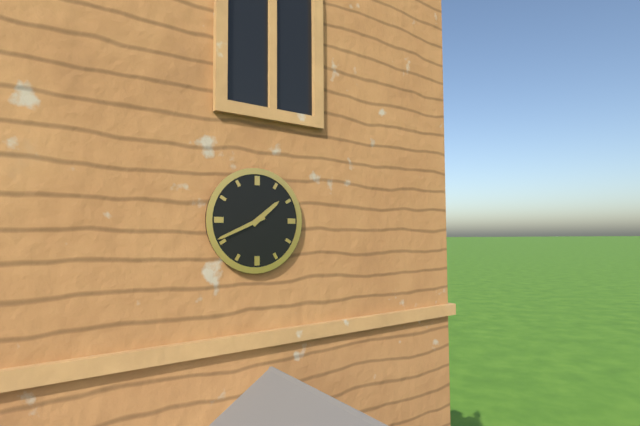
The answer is 1:41
